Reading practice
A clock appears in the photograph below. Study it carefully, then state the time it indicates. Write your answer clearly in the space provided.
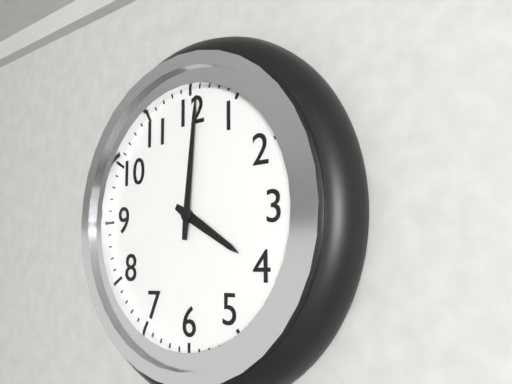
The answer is 4:01
